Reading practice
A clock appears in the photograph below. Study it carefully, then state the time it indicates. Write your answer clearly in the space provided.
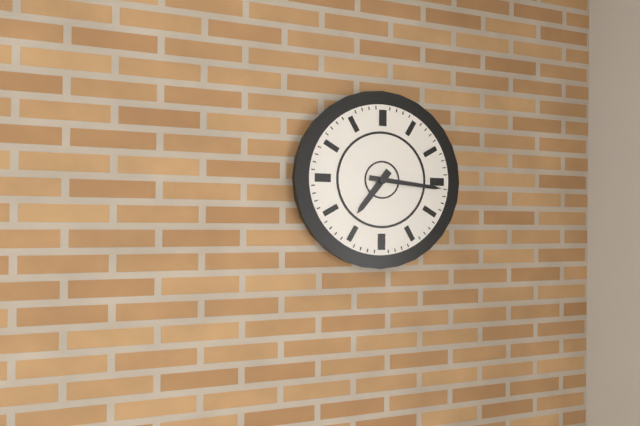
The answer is 7:16
